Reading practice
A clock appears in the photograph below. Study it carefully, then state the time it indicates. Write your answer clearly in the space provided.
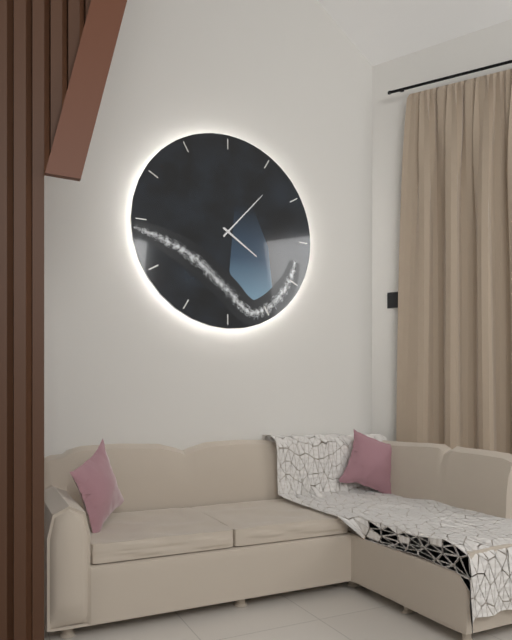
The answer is 4:07
